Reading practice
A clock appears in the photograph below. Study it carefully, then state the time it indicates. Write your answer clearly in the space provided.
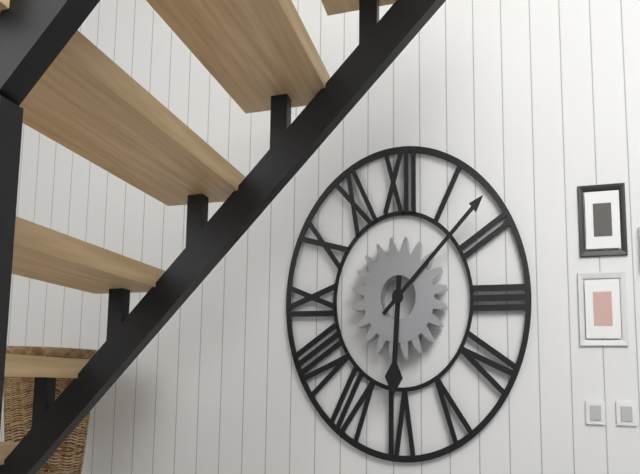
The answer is 6:08
